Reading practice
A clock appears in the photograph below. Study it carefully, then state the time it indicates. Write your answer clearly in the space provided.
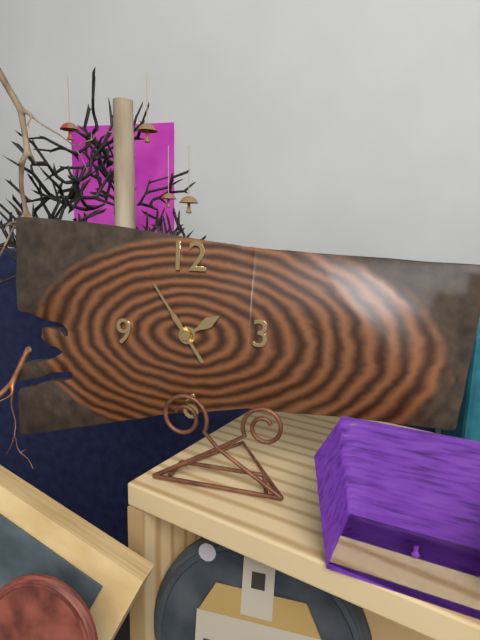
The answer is 1:54
